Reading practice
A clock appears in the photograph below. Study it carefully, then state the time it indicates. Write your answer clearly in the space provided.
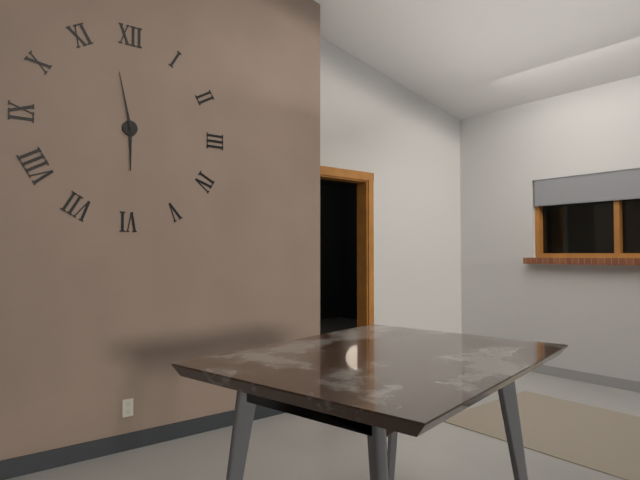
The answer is 5:58
